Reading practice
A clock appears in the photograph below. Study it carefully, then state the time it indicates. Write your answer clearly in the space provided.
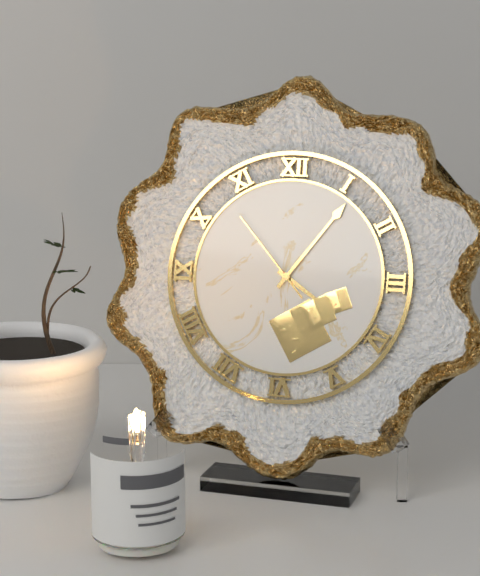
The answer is 4:06:53
